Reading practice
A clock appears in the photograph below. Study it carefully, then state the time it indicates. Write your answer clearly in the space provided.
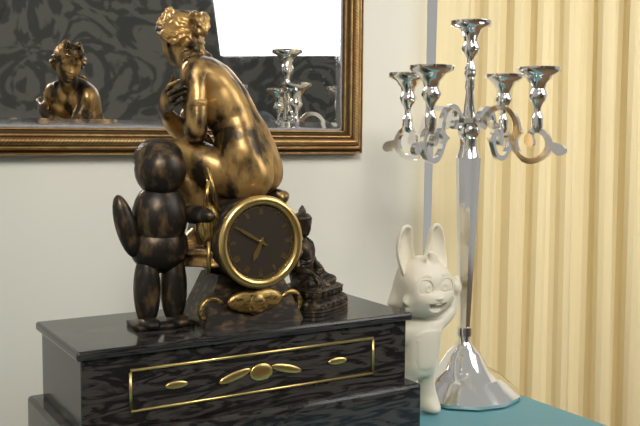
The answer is 6:50
